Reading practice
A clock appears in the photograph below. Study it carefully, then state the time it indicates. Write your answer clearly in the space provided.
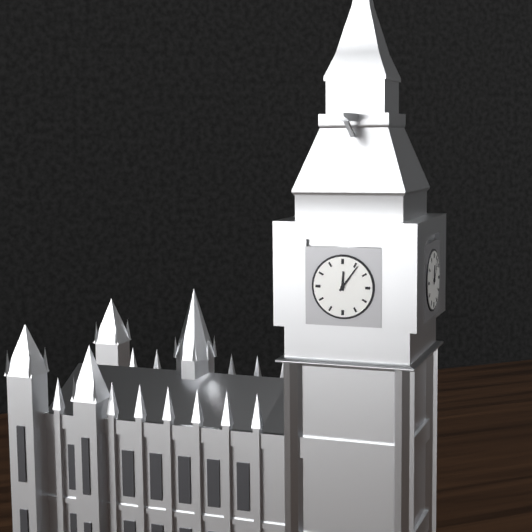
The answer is 12:06
